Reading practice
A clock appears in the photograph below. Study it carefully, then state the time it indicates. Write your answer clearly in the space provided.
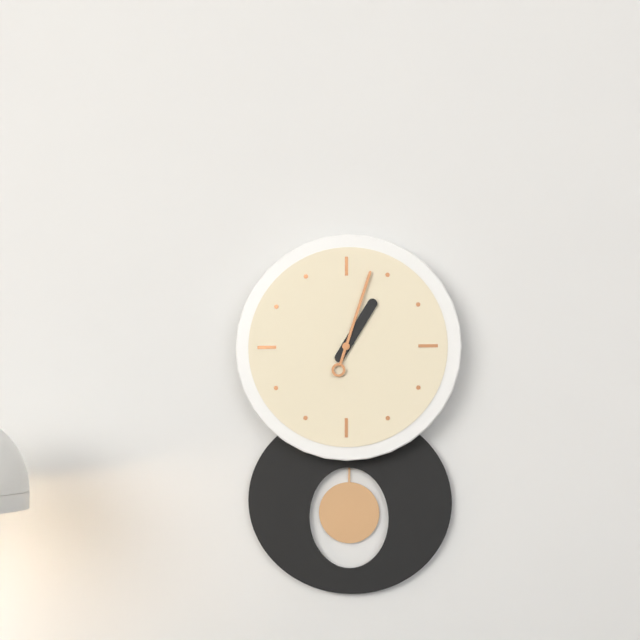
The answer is 1:03
